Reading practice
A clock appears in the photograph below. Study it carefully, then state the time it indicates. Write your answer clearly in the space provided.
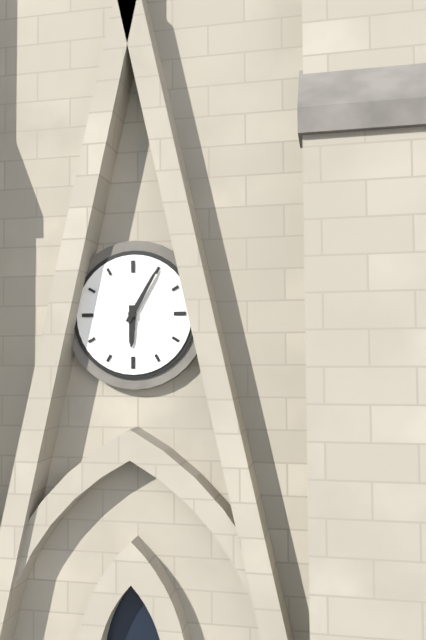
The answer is 6:05
